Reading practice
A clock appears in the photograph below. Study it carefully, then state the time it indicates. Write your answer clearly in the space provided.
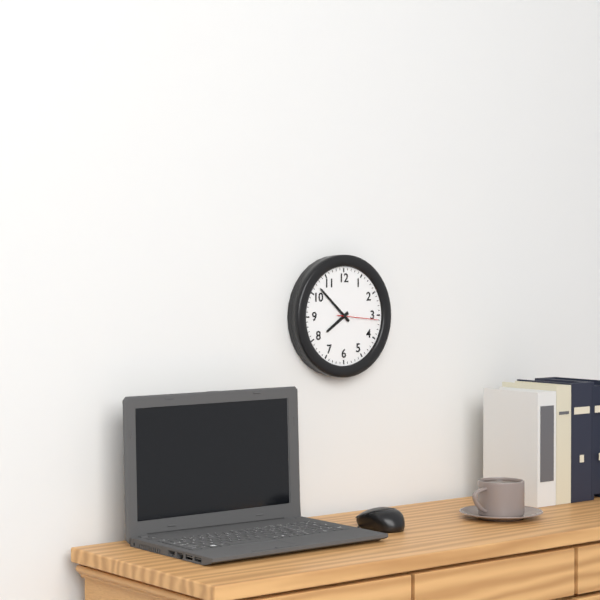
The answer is 7:52
